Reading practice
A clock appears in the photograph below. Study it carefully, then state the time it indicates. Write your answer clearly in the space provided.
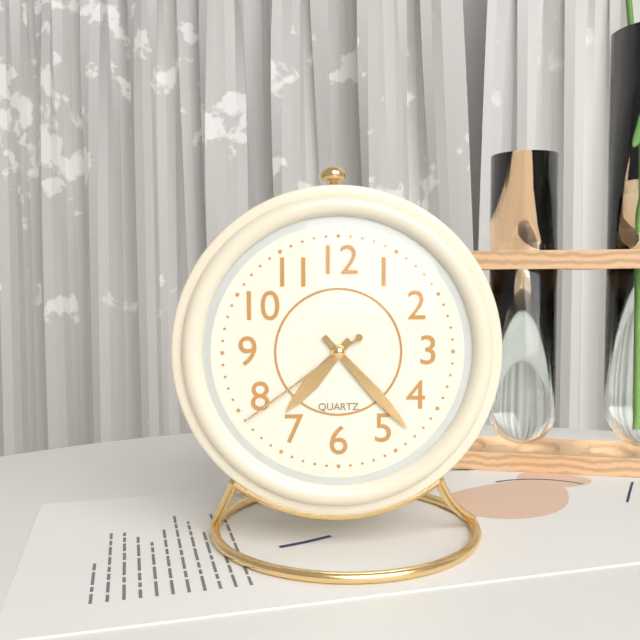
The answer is 7:23:39
